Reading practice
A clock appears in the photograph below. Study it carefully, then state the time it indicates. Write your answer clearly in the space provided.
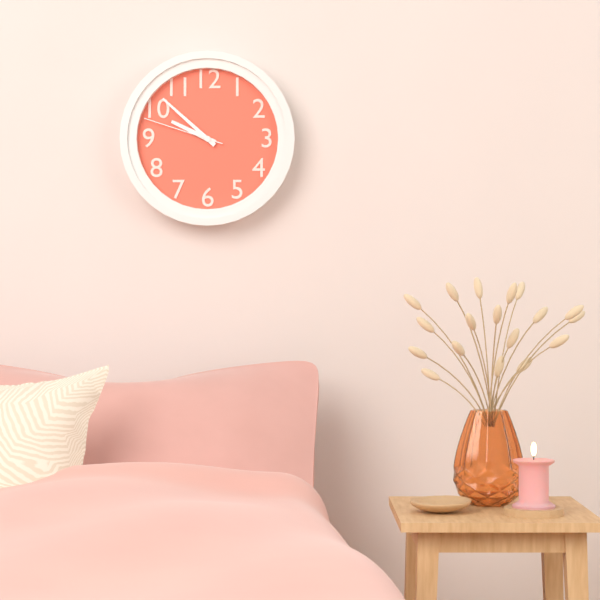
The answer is 9:52:48
